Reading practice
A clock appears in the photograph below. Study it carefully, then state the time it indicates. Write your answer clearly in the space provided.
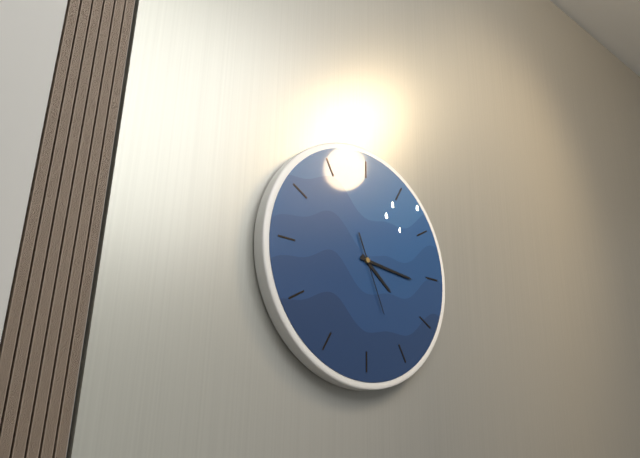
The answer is 4:16:26
